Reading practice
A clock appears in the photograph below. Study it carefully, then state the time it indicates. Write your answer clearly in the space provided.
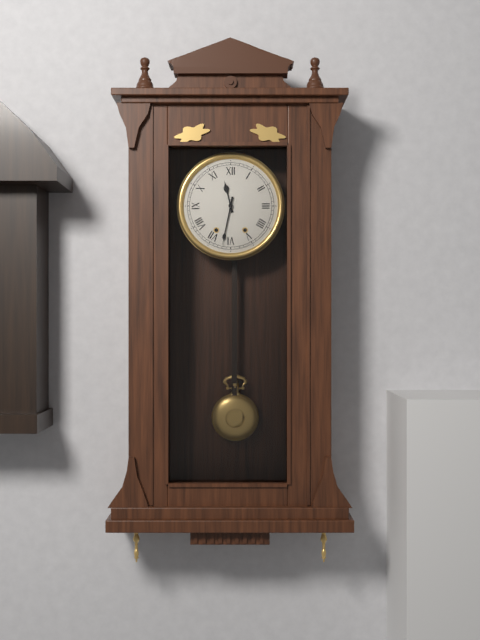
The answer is 11:32
